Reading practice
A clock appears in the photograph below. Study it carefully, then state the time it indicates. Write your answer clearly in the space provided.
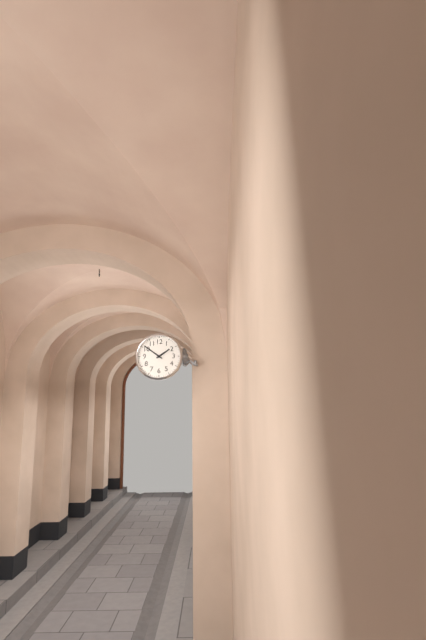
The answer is 1:51
